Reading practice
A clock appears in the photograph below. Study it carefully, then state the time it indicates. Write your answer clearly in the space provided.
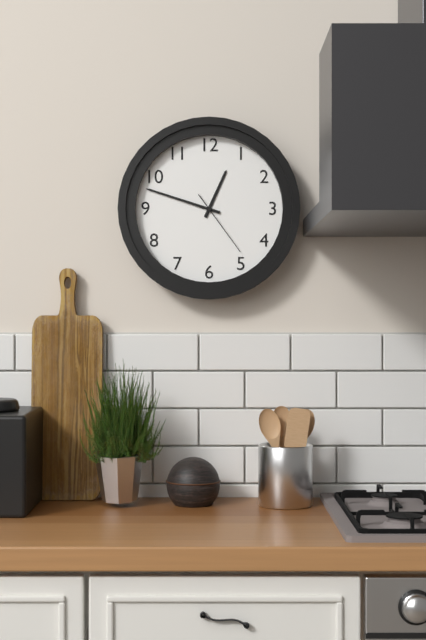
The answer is 12:48:24
